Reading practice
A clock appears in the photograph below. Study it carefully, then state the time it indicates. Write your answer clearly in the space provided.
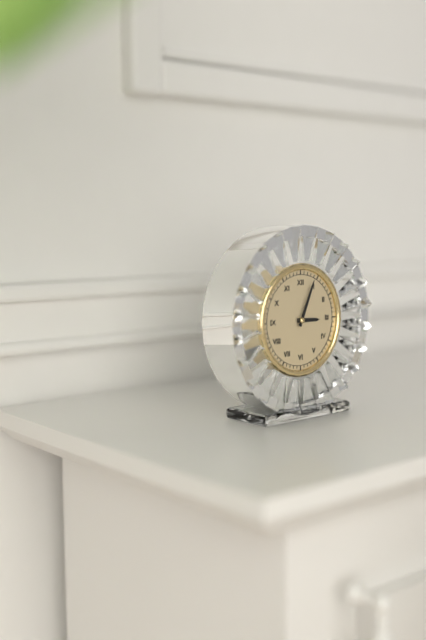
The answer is 3:04
